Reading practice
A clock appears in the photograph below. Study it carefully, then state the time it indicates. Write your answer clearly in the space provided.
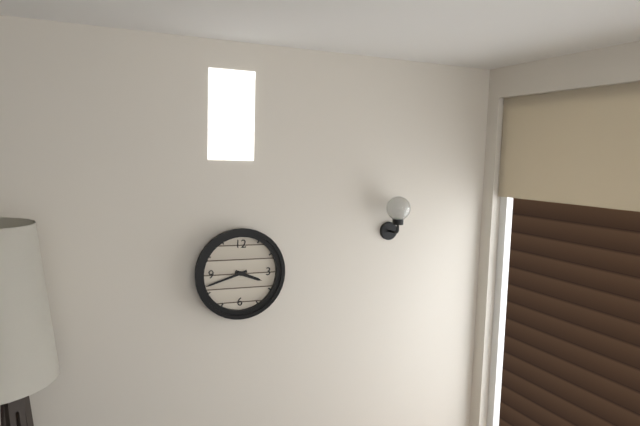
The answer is 3:42
